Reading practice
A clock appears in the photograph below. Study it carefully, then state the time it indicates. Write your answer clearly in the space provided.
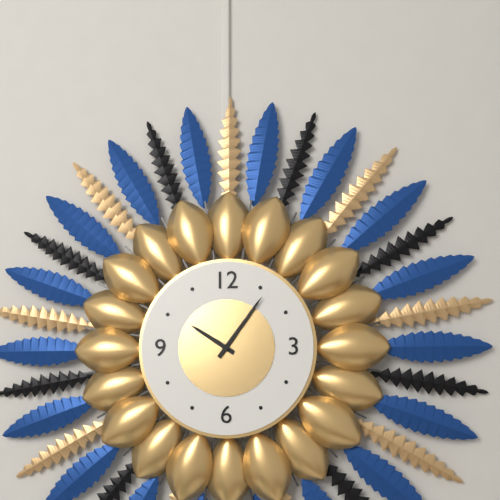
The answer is 10:06
